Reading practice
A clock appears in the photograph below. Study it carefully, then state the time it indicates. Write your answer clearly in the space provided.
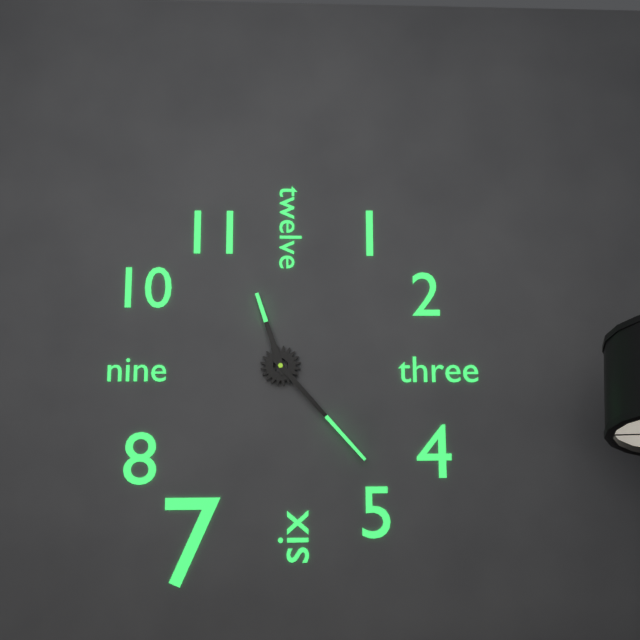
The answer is 11:23
